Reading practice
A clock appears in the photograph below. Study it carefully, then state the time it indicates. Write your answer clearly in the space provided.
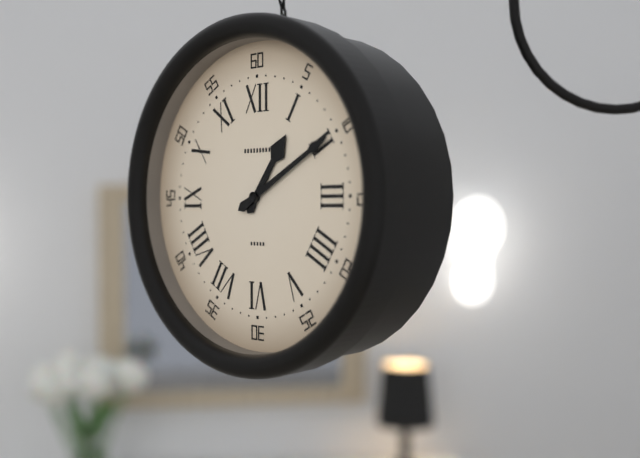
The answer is 1:10
